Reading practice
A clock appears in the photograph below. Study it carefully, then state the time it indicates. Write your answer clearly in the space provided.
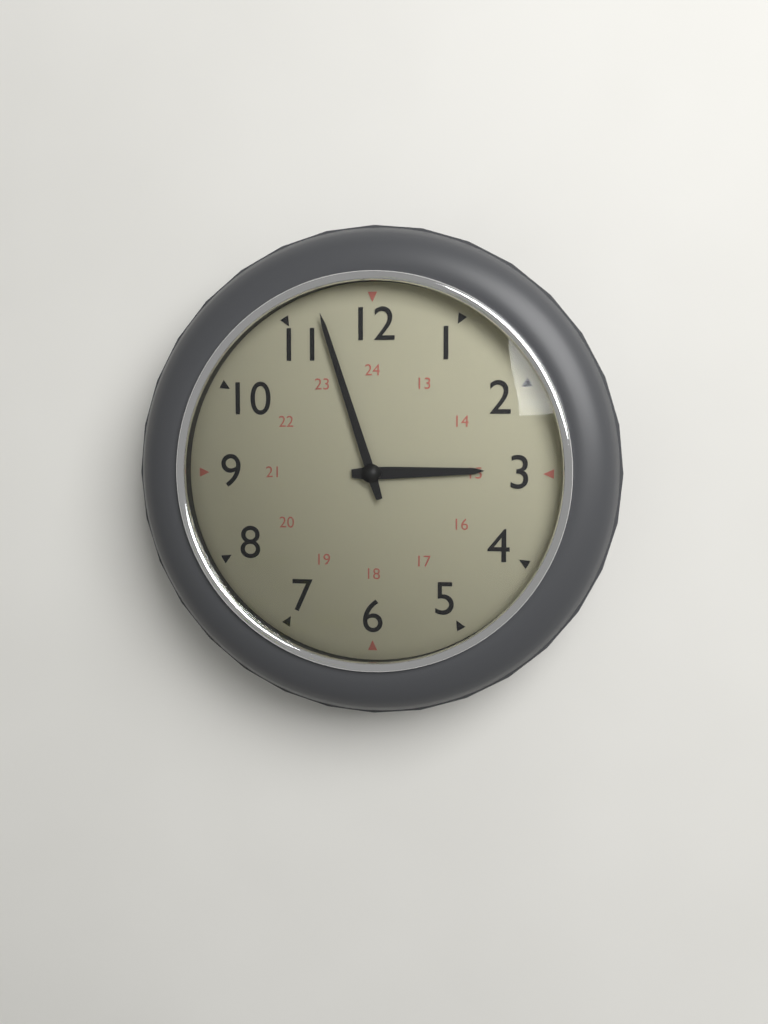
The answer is 2:57
